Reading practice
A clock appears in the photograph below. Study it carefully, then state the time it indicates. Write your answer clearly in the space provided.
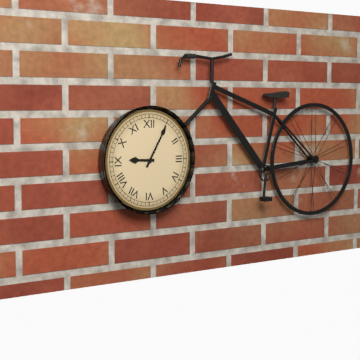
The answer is 9:05
